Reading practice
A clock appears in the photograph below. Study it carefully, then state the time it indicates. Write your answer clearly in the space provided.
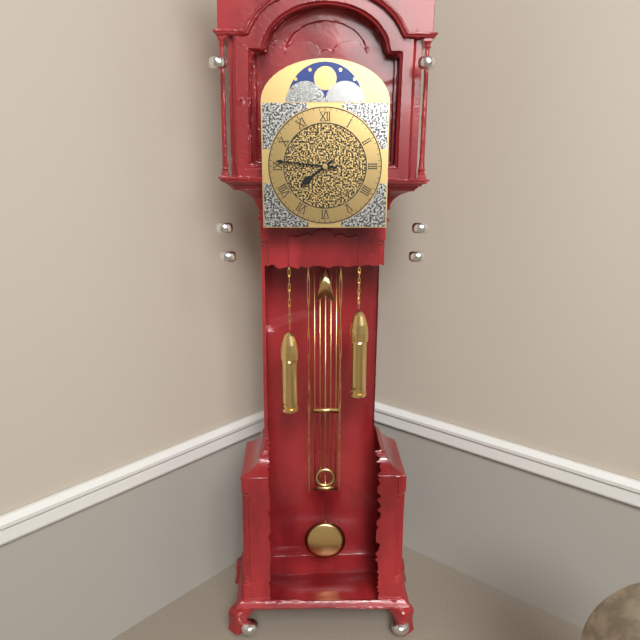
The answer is 7:46
